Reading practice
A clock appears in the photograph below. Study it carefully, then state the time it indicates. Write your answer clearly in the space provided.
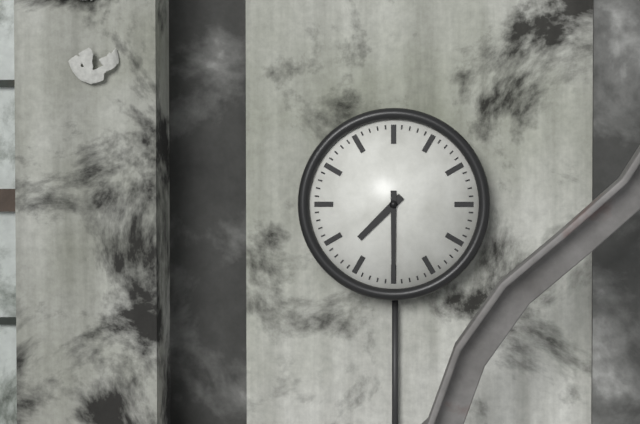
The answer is 7:30
